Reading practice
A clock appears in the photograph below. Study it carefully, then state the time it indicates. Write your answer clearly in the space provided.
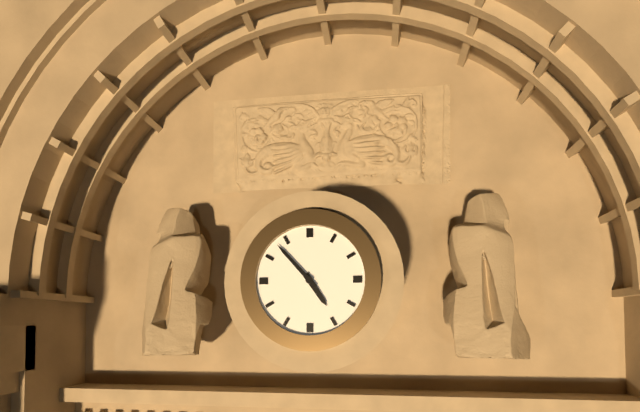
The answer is 4:53
